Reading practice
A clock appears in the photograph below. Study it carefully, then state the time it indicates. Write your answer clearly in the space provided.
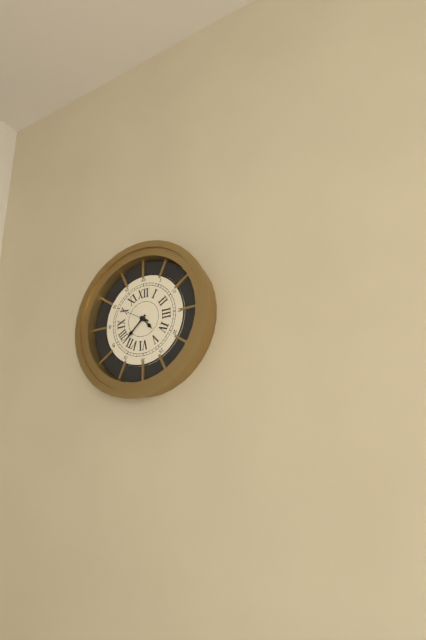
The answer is 4:38
